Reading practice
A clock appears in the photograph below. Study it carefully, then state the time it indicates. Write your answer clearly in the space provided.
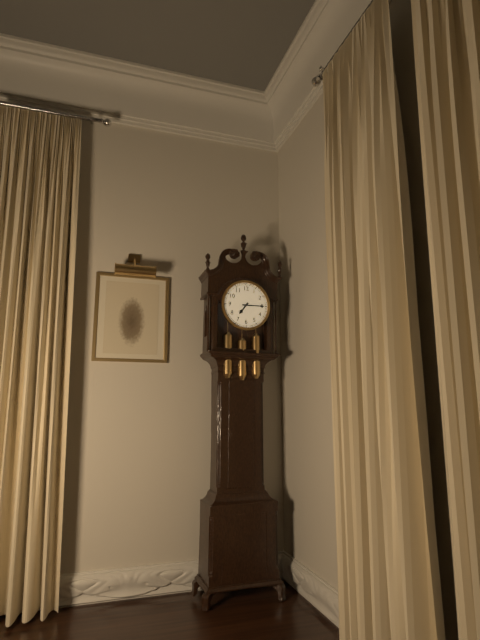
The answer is 7:15
